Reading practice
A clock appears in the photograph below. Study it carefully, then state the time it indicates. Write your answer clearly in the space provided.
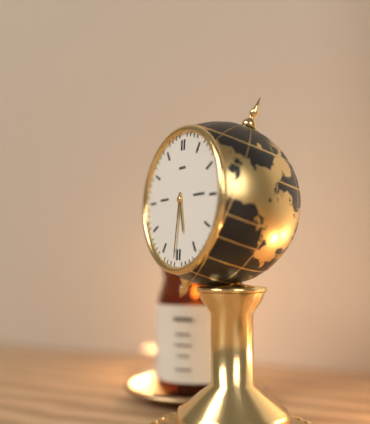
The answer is 5:31
